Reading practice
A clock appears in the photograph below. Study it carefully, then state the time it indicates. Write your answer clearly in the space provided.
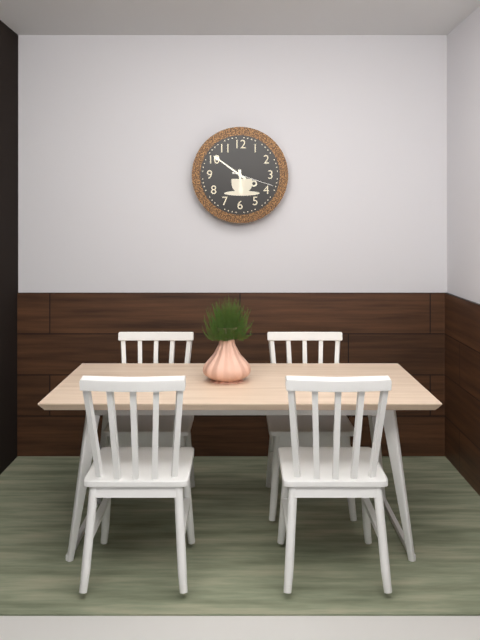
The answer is 5:51
